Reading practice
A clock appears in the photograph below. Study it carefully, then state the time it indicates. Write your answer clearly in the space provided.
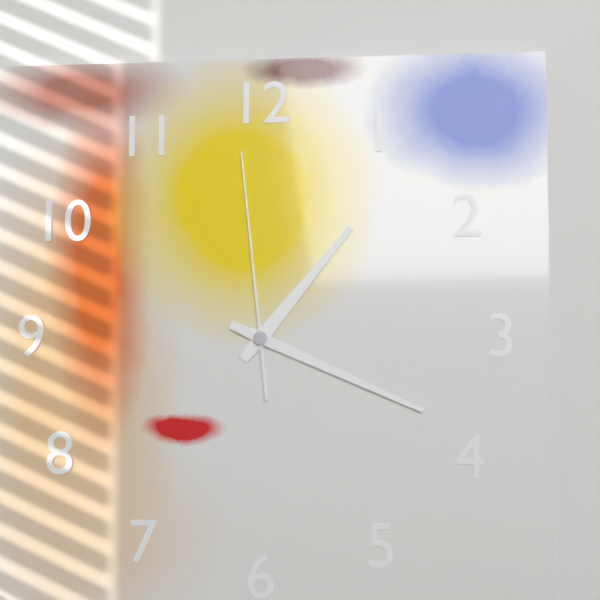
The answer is 1:19:59
